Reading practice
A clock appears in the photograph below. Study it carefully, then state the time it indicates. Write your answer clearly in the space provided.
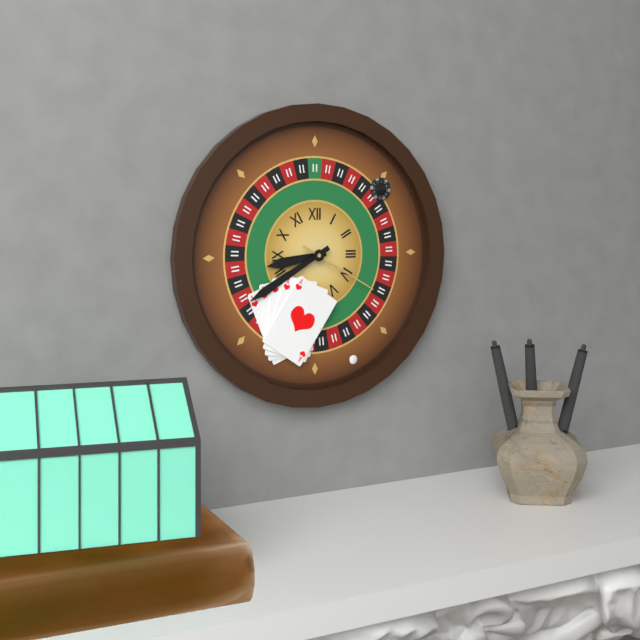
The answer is 8:40:20
